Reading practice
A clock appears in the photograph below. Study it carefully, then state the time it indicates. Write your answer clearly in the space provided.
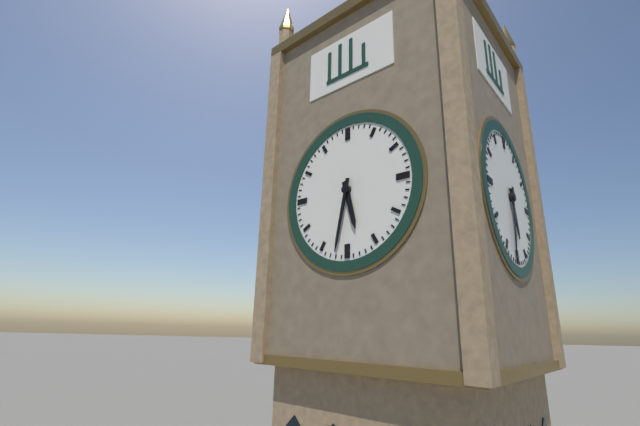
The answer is 5:32
